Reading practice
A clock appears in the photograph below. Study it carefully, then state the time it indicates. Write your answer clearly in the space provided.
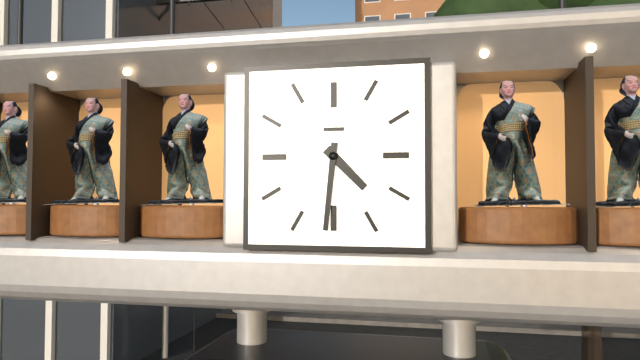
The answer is 4:31
